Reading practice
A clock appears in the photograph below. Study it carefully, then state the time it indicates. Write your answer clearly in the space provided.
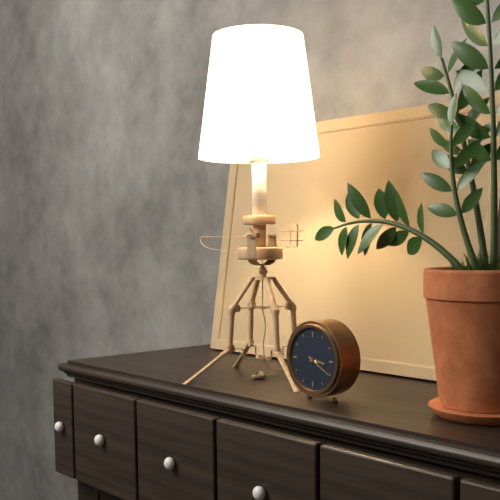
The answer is 3:20
